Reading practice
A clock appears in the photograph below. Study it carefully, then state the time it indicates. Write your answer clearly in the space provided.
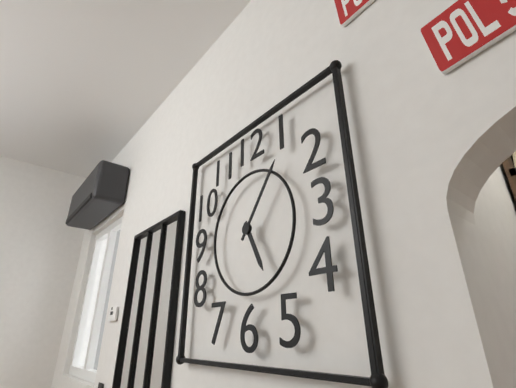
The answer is 5:06
